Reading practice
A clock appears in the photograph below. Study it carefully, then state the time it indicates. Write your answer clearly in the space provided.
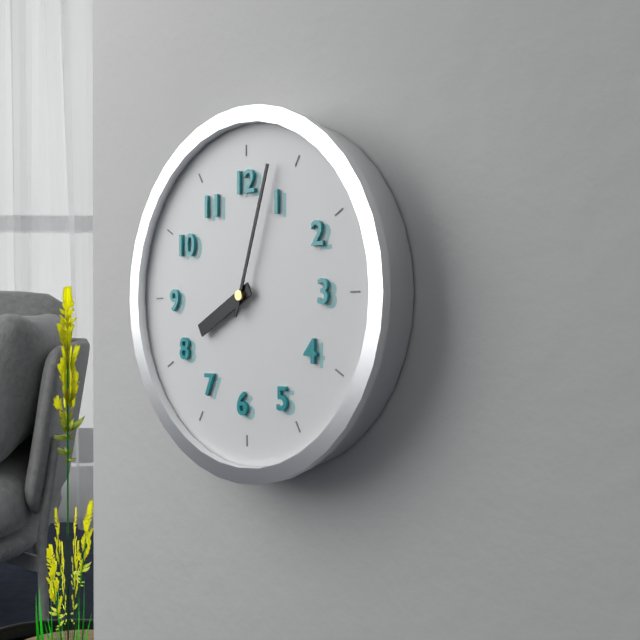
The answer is 8:03
